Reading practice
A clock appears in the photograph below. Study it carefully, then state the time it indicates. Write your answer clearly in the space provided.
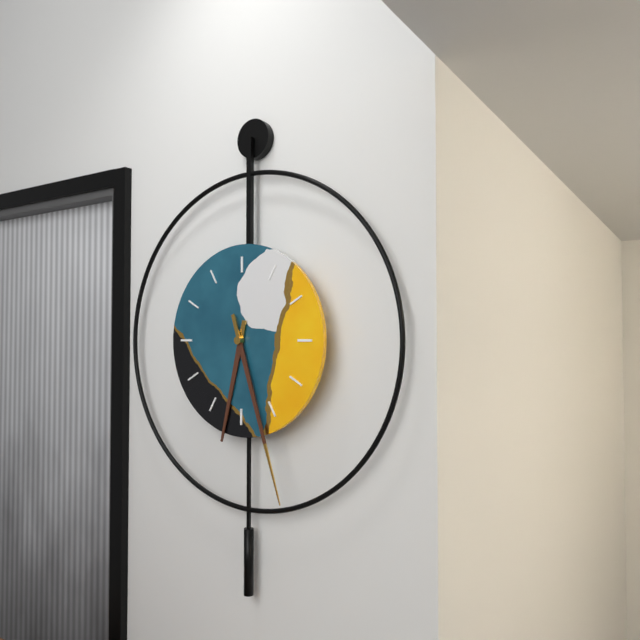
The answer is 6:27
